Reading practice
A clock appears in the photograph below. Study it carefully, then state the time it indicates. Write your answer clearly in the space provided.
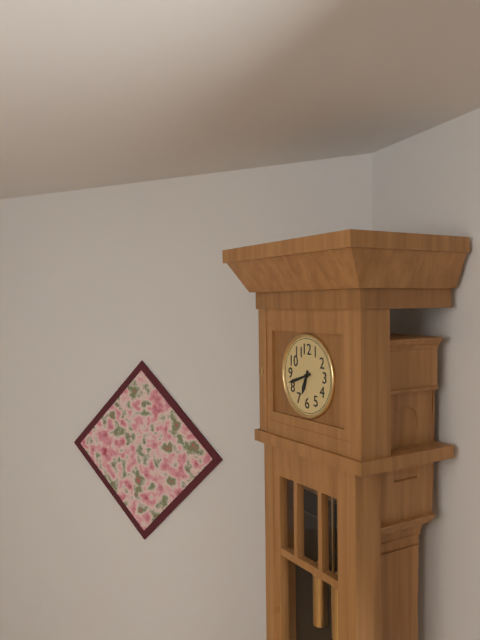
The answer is 6:42
